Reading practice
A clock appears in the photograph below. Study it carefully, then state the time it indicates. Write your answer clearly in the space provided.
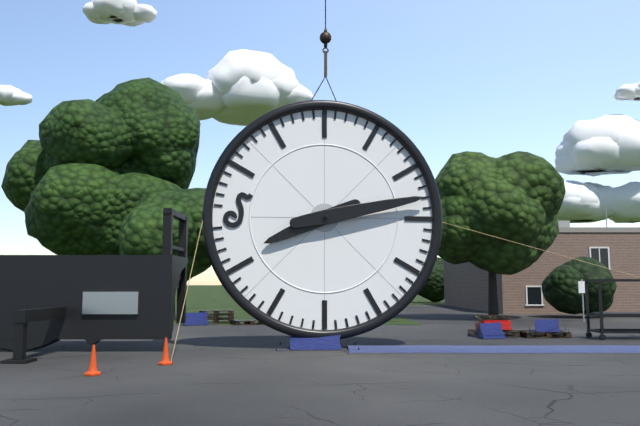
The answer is 8:13
